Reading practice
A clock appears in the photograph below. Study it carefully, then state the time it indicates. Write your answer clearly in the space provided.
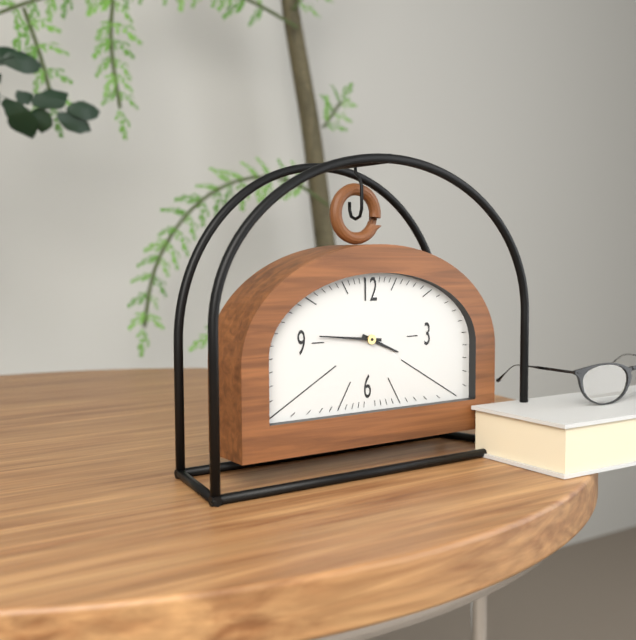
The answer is 3:46
